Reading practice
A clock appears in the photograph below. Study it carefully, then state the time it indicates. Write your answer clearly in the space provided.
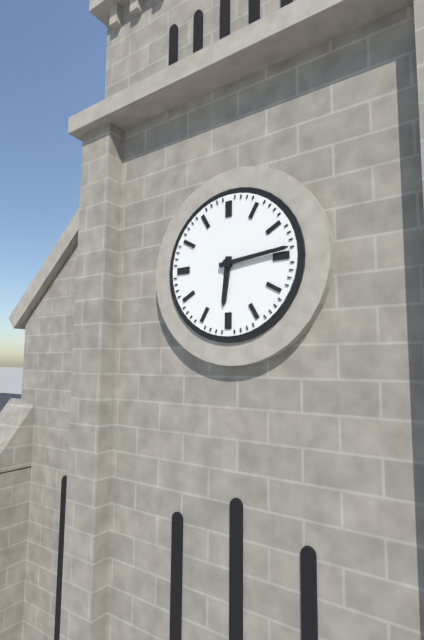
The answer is 6:14
